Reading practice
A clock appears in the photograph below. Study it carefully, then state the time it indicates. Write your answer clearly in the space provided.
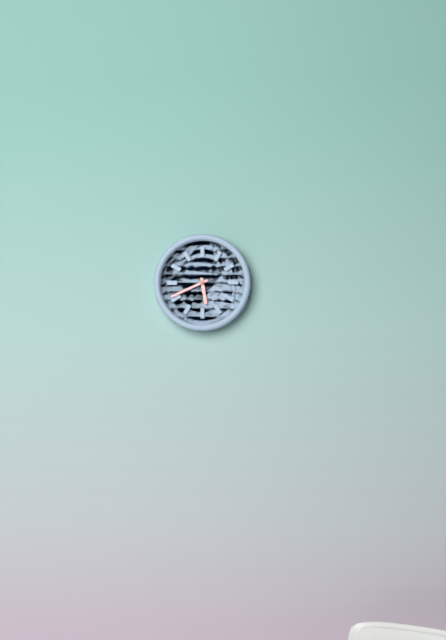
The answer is 5:41
